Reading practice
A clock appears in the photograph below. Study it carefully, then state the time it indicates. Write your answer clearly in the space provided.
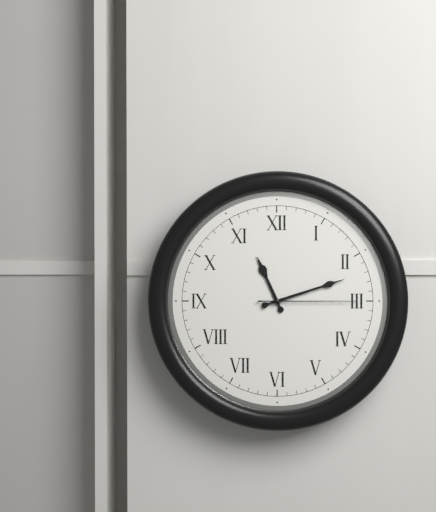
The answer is 11:12:15
